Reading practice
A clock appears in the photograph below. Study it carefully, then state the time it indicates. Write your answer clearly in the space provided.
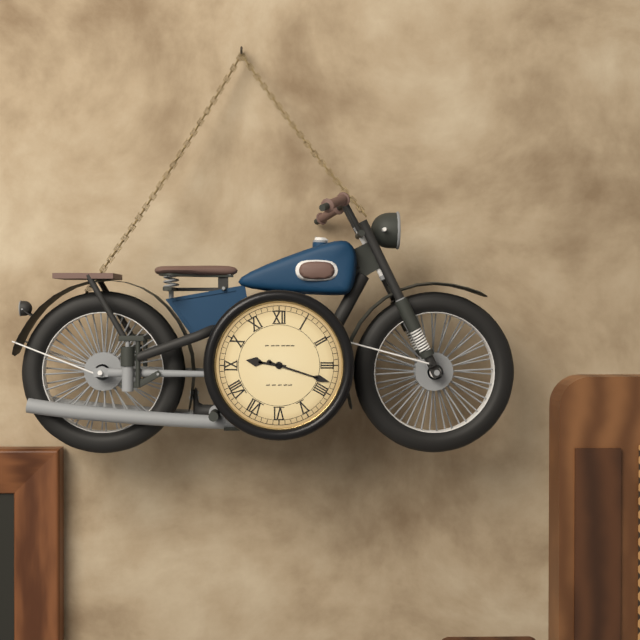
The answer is 9:18
